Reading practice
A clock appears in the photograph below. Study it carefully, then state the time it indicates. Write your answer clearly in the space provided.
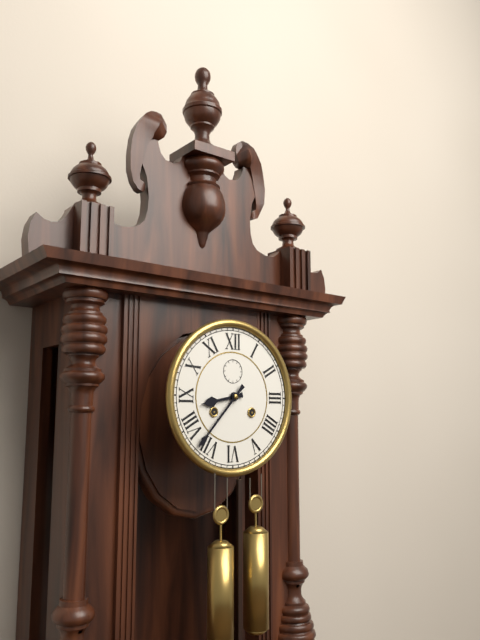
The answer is 8:37
